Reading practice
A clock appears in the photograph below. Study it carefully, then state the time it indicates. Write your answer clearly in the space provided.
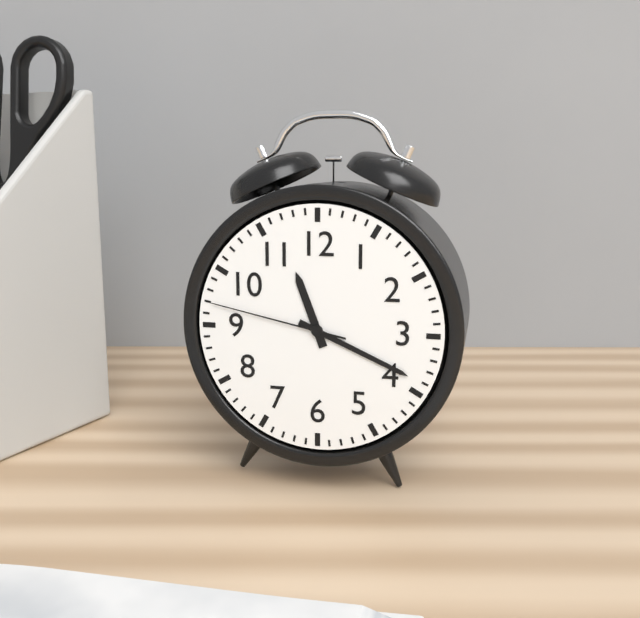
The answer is 11:19:47
